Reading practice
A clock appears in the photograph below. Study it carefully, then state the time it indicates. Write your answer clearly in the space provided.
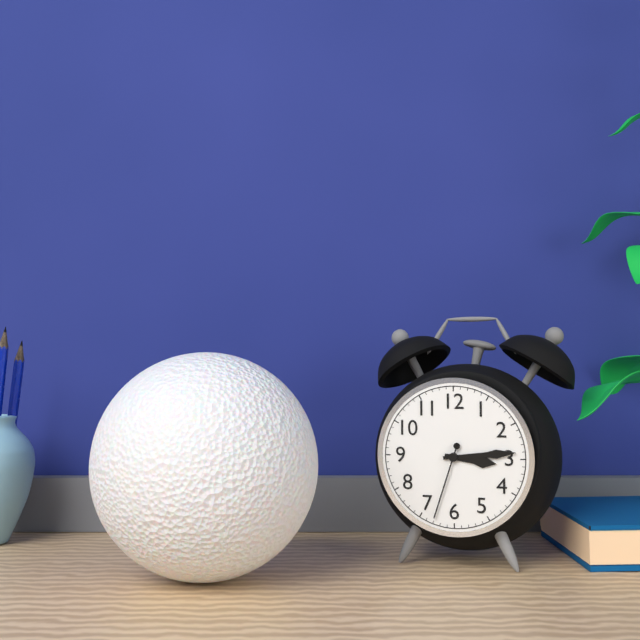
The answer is 3:14:33
